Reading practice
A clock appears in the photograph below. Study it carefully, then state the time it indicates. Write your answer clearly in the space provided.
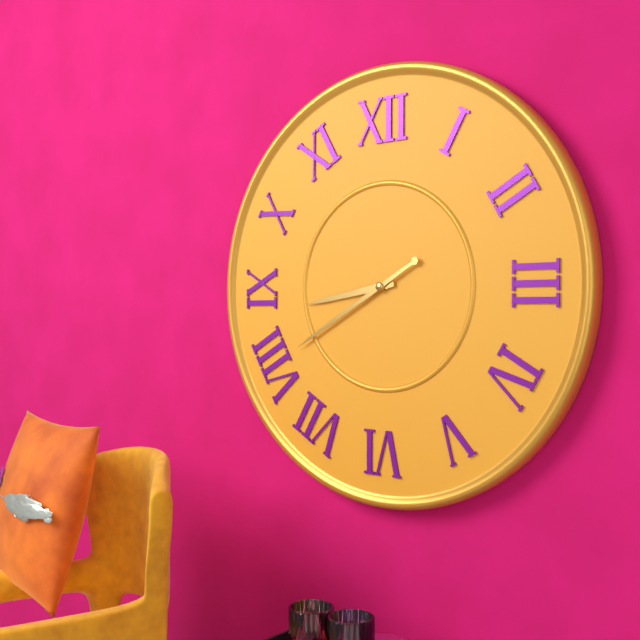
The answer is 8:40
